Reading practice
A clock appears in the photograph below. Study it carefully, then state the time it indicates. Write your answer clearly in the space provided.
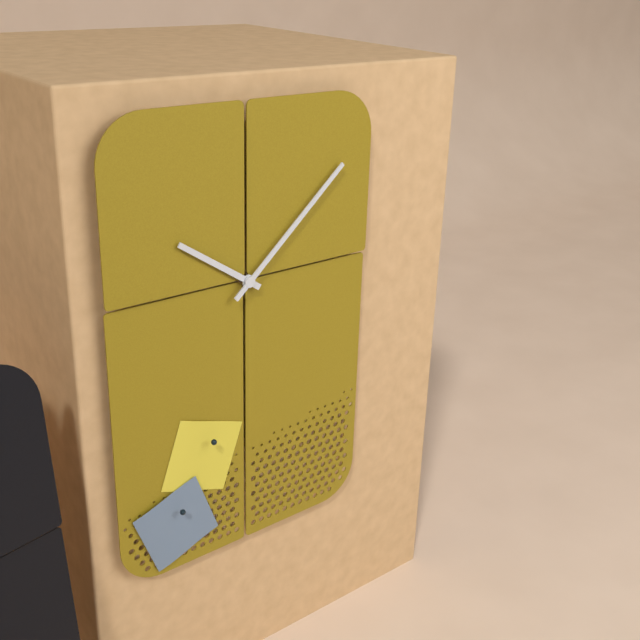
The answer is 10:08
